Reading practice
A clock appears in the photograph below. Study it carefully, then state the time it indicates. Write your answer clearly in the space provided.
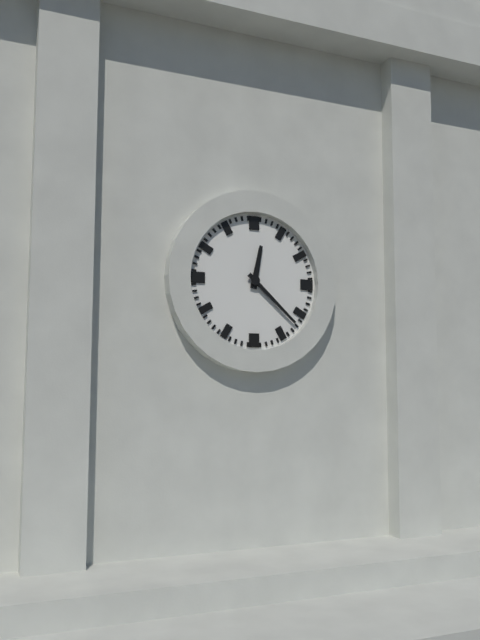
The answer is 12:22
